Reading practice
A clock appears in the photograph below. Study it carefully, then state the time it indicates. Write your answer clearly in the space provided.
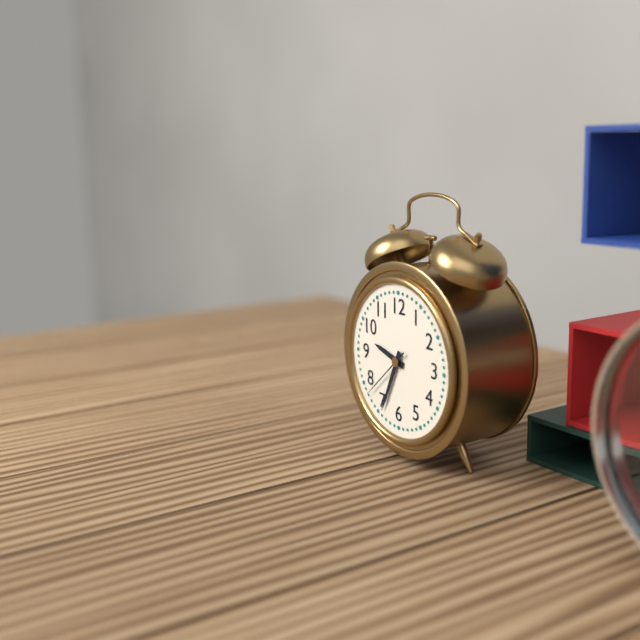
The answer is 9:34:38
